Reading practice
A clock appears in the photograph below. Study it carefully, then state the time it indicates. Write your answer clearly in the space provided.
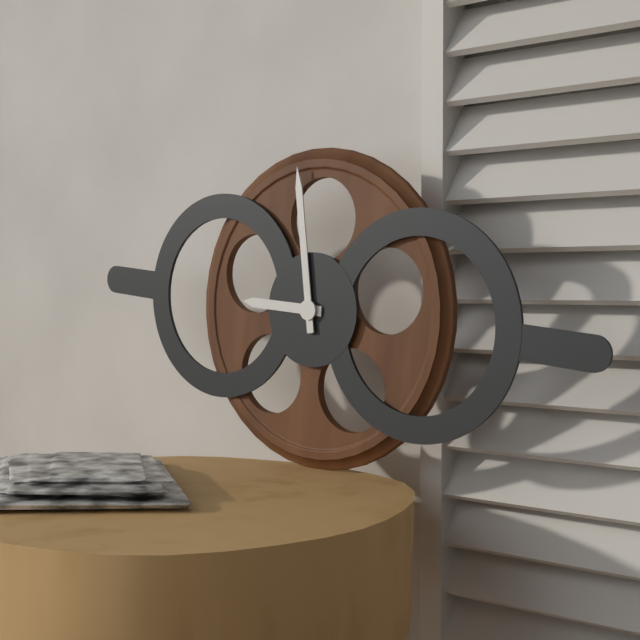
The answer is 8:58
